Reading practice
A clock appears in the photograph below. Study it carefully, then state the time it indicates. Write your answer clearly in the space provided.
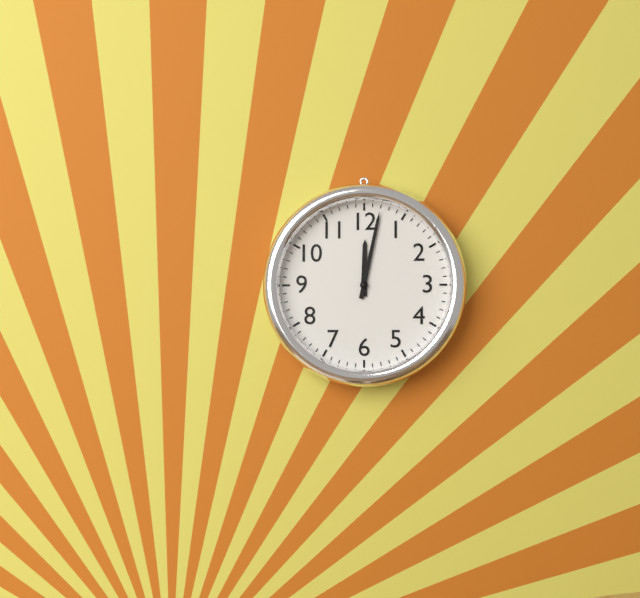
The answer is 12:02
